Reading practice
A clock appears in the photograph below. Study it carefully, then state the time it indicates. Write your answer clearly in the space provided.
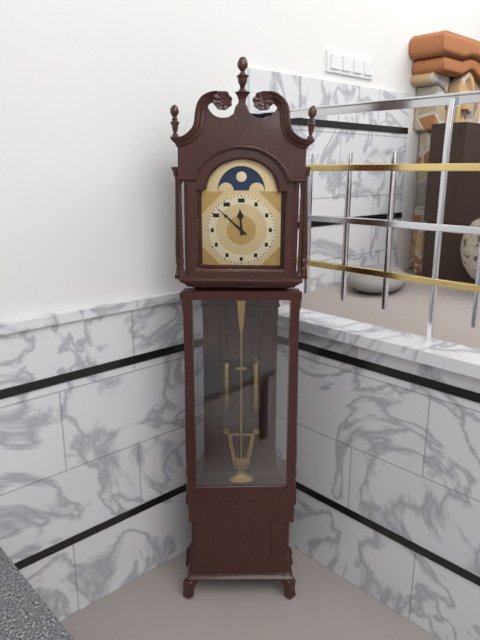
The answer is 11:52
